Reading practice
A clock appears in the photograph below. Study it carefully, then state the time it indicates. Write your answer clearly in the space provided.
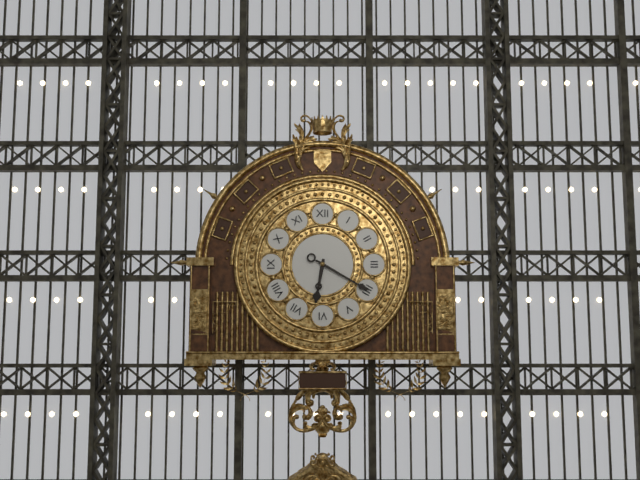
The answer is 6:20
